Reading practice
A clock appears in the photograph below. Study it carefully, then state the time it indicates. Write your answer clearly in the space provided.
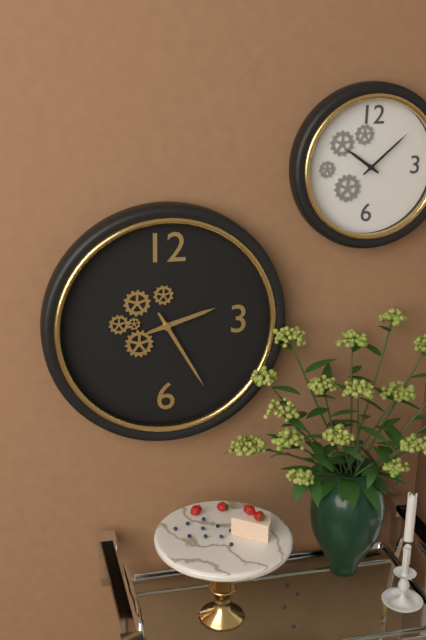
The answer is 2:25
